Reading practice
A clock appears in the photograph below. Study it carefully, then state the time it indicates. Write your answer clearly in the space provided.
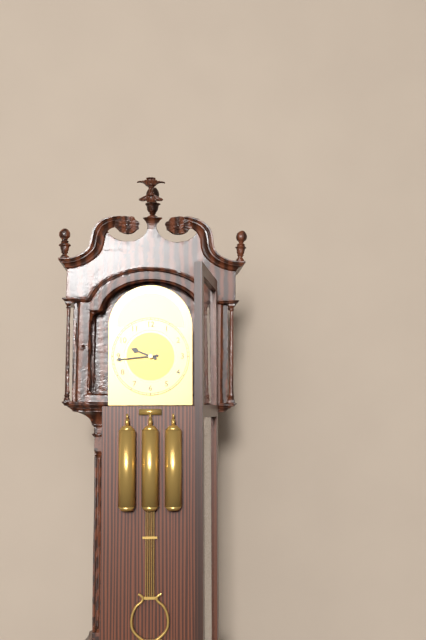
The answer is 9:44
